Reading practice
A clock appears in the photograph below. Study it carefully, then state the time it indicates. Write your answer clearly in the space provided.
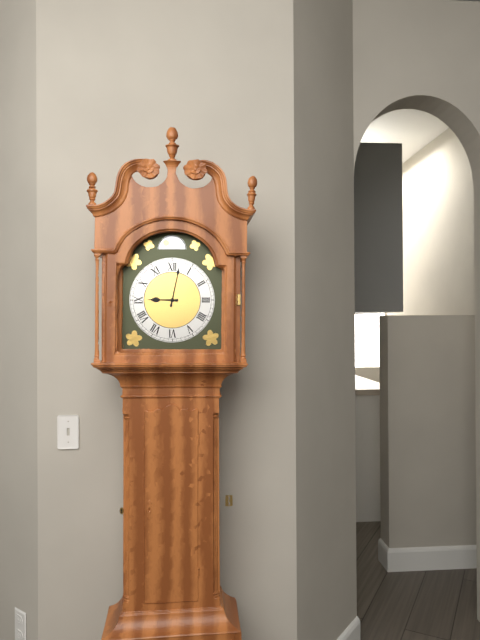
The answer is 9:02
